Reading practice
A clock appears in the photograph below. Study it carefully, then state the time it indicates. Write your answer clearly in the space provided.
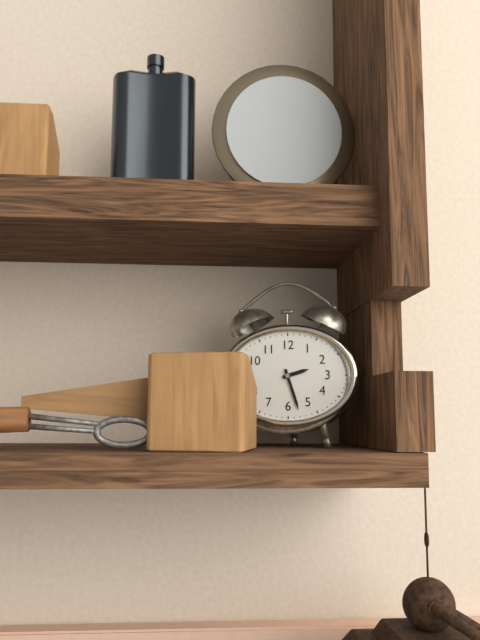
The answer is 2:27
